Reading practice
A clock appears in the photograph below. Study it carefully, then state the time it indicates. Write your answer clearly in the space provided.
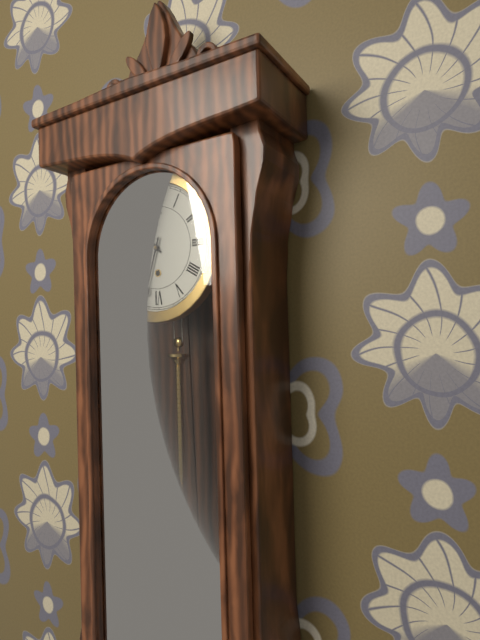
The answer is 10:33
